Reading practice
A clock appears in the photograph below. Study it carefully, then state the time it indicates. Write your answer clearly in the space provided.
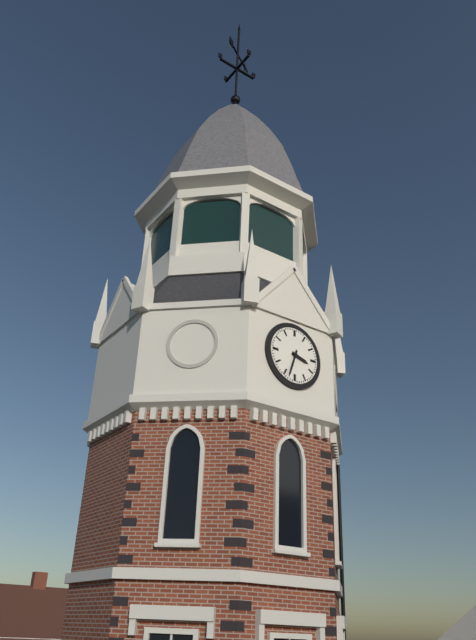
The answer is 3:33
